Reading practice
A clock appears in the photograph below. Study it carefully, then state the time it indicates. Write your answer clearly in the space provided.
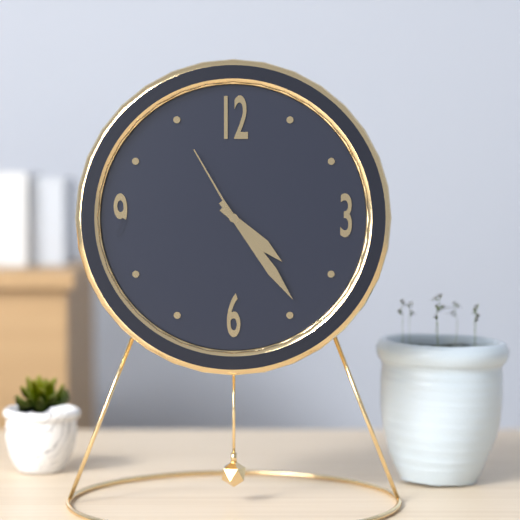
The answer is 4:24:55
